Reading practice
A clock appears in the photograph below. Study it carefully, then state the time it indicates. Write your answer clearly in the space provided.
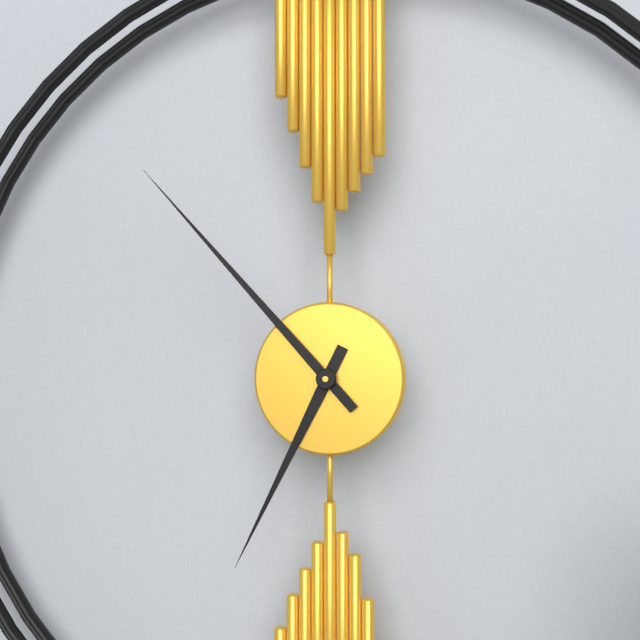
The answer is 6:53
